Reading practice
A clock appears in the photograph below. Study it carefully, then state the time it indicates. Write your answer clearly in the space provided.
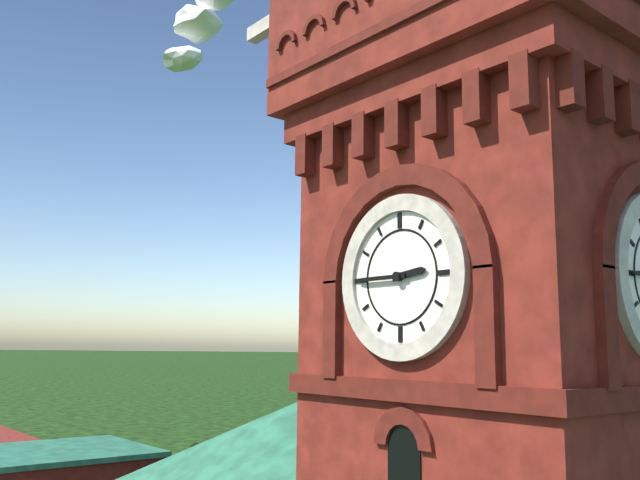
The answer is 2:45
